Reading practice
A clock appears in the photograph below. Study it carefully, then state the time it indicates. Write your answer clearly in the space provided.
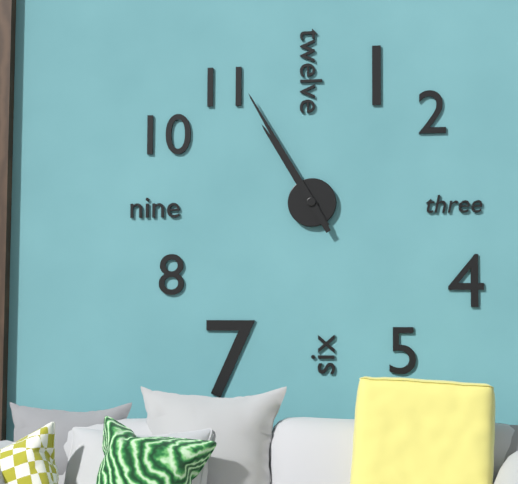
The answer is 10:55
